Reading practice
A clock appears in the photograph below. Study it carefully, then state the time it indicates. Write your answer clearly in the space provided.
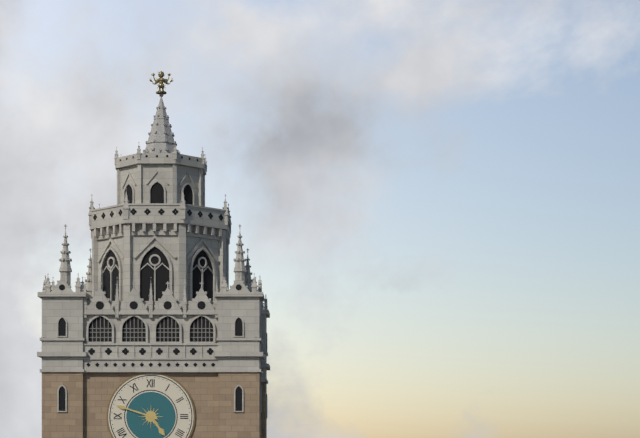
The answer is 4:48
